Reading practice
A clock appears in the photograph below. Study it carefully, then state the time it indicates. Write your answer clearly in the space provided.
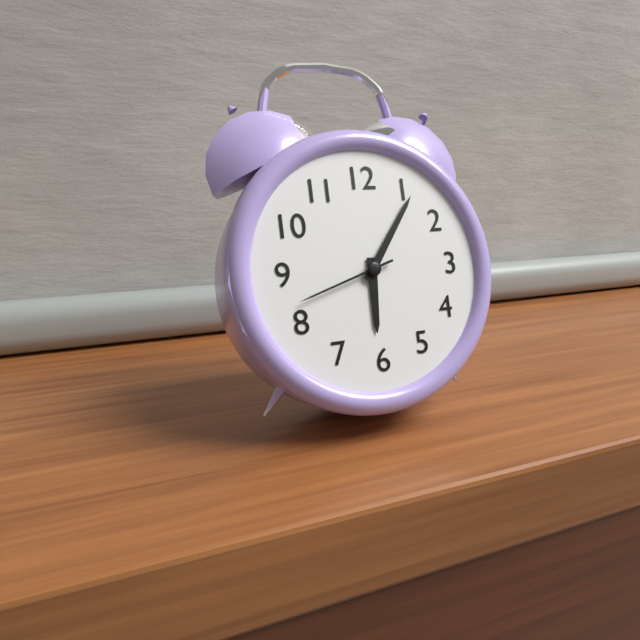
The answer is 6:06:42
